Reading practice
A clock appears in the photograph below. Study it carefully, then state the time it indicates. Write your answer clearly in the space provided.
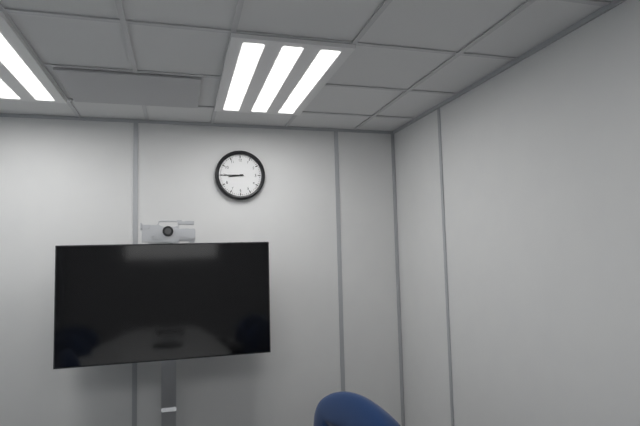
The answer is 8:45
